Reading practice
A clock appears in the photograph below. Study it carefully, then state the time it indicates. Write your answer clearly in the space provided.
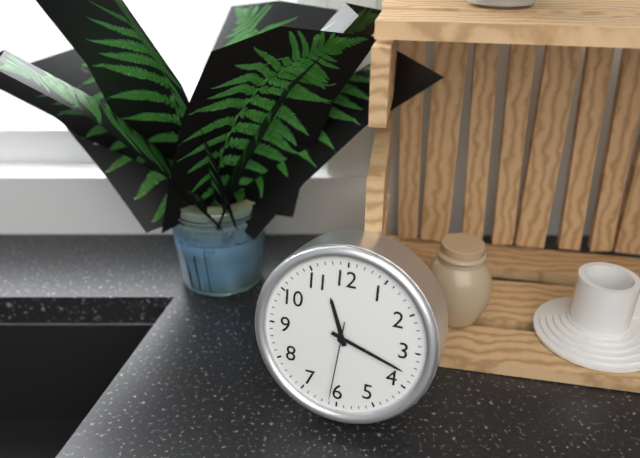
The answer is 11:18:31
